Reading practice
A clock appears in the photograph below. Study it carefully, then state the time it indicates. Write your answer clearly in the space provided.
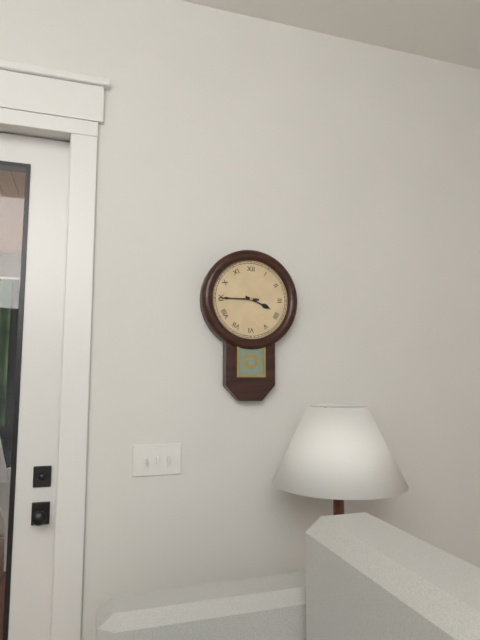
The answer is 3:45
